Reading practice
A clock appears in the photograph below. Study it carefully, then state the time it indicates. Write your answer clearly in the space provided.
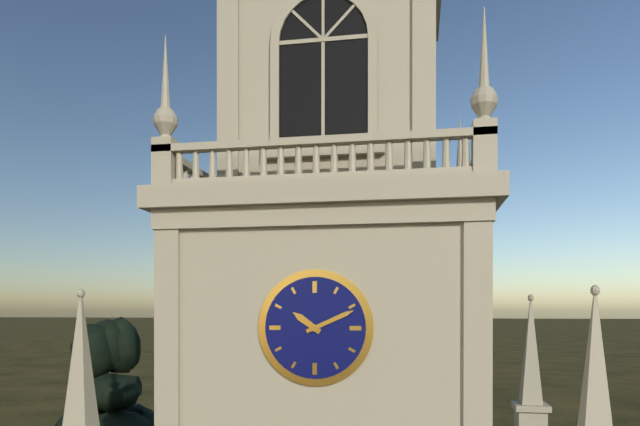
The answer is 10:11
